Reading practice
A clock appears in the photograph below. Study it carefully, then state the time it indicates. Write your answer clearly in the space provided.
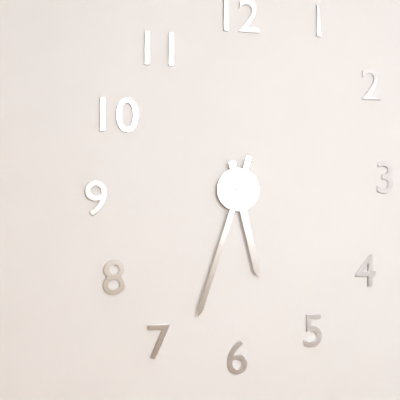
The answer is 5:33
